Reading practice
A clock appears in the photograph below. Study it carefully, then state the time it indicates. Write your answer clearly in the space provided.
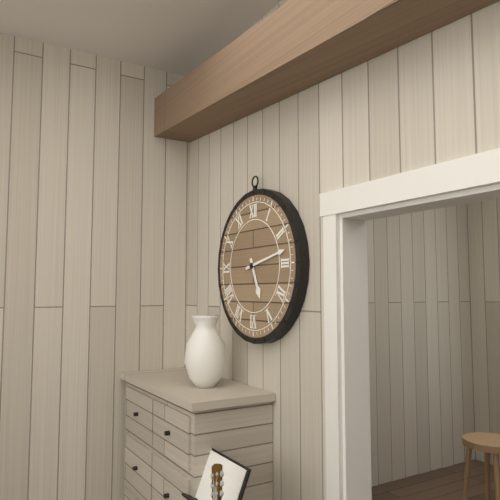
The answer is 5:13
